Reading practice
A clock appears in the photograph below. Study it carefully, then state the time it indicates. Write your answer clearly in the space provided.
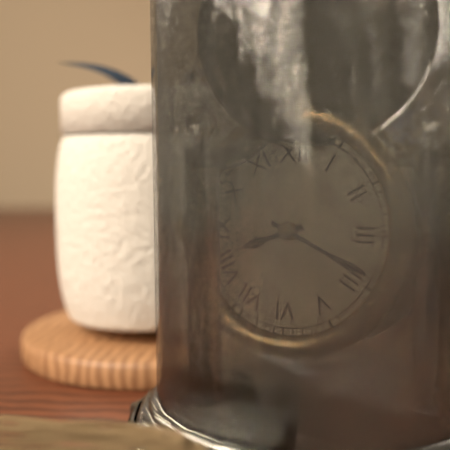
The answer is 8:19
